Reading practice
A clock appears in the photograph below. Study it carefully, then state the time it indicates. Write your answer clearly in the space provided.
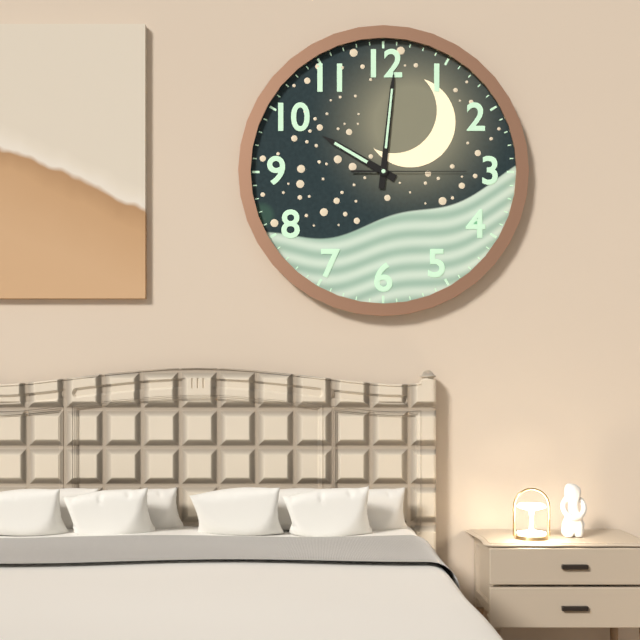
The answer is 10:01:15
